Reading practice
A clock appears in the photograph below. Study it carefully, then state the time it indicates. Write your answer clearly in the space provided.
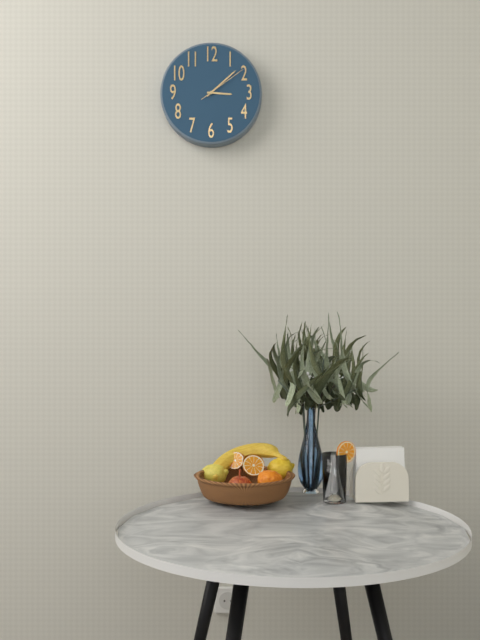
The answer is 3:08:09
